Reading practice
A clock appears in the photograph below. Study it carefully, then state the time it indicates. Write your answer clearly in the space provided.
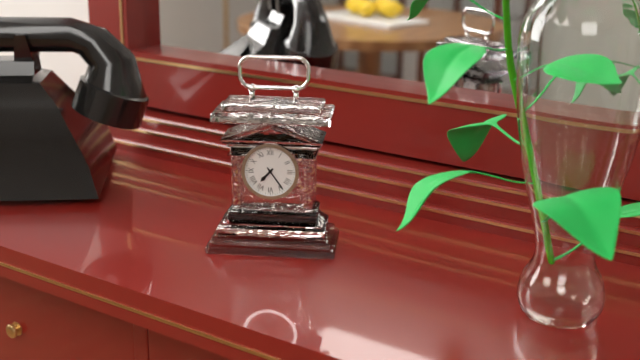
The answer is 7:24
